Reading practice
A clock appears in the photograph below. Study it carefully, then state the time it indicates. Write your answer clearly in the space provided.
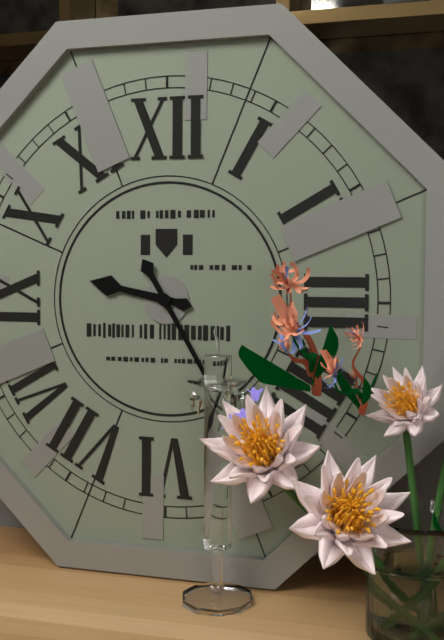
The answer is 9:25
